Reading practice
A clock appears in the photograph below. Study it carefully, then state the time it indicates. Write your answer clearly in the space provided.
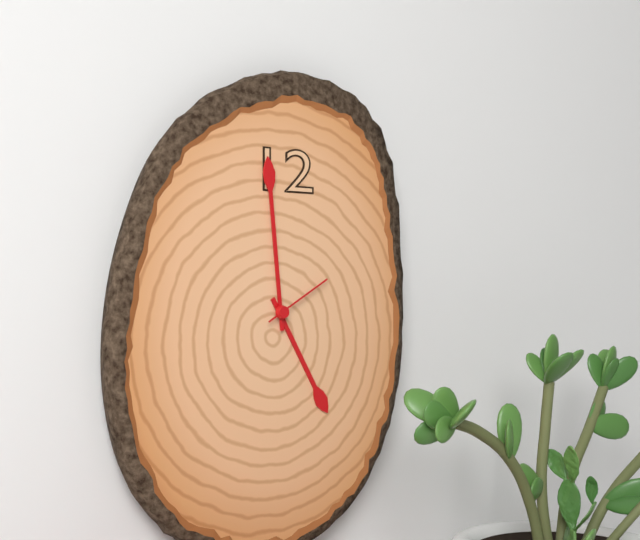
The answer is 4:59:10
